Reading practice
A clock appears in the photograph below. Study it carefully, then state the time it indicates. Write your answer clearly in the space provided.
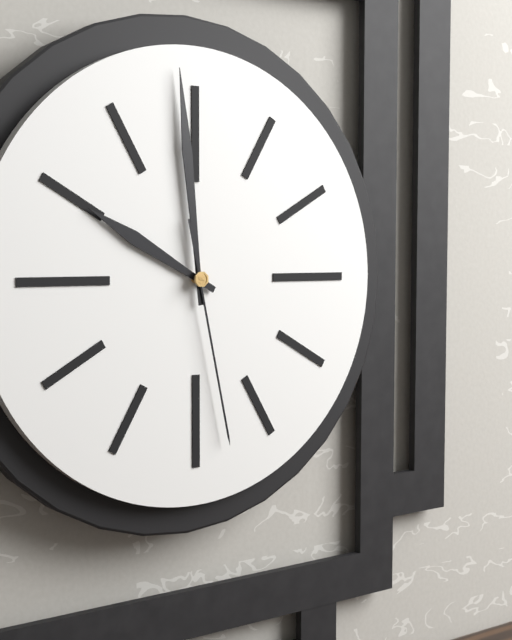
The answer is 9:59:28
